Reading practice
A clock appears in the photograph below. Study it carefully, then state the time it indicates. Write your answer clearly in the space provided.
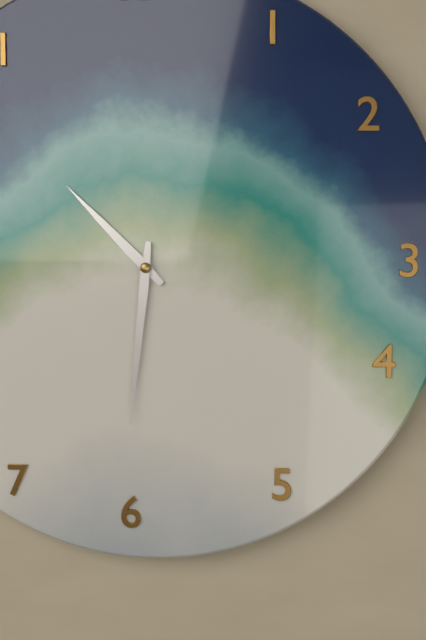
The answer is 10:31
